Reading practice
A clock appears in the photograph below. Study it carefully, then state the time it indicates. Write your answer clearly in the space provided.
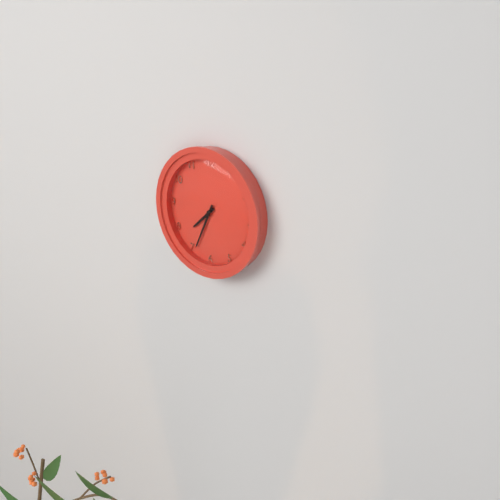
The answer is 7:34
